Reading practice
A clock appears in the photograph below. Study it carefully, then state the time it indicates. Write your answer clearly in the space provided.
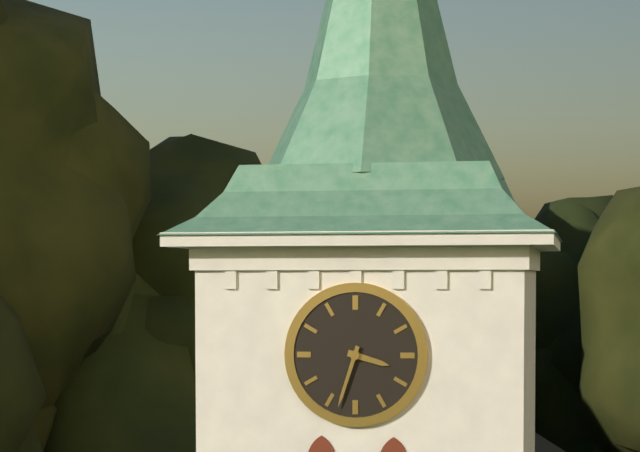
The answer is 3:33
